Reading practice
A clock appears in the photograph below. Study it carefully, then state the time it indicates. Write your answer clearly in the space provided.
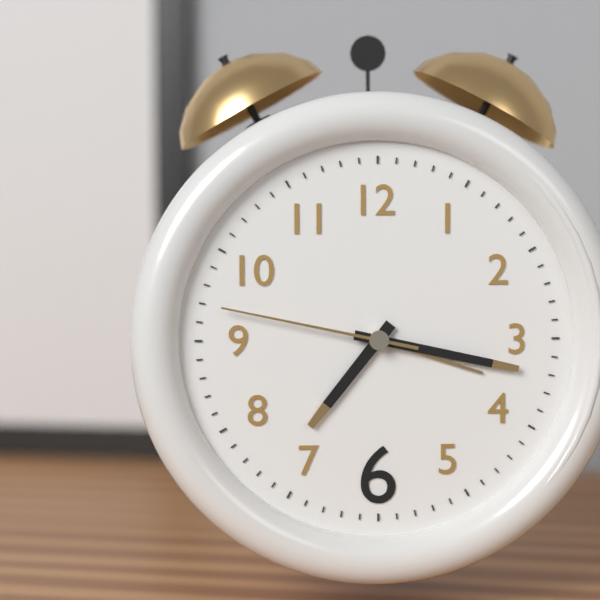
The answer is 7:17:47
